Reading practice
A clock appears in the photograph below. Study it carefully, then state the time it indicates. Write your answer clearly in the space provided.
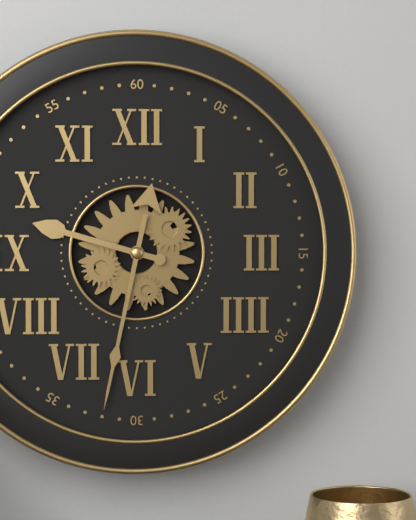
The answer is 9:32
